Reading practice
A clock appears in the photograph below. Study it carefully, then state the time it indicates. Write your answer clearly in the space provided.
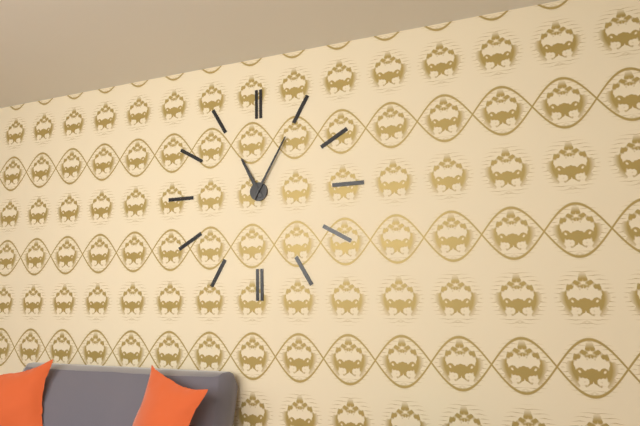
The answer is 11:05
